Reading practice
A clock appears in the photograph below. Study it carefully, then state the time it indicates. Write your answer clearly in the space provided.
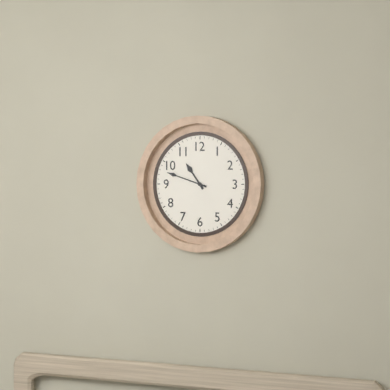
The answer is 10:48
